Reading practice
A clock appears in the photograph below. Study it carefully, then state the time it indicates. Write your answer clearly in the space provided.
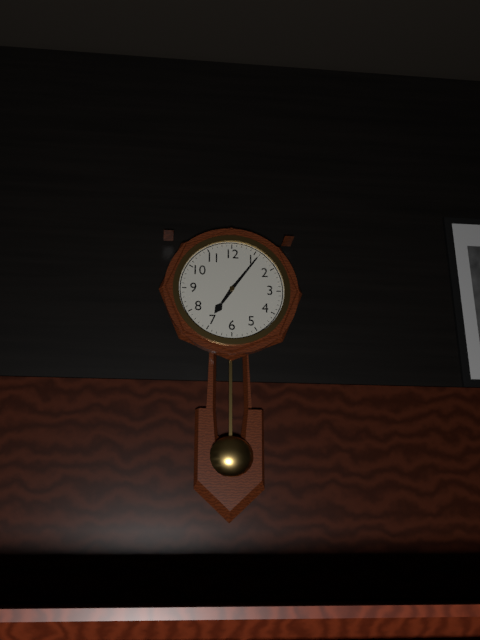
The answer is 7:06
